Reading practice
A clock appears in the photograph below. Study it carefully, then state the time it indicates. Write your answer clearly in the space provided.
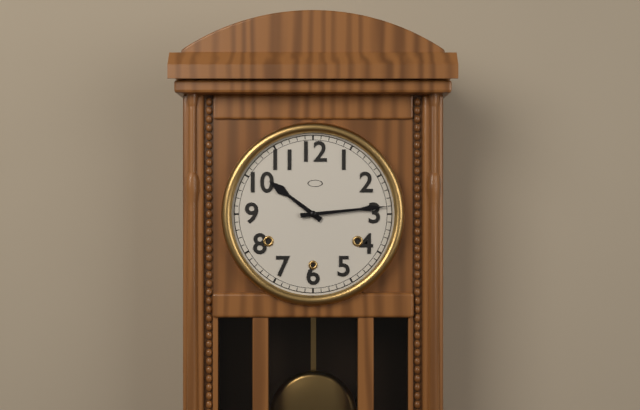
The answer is 10:14
